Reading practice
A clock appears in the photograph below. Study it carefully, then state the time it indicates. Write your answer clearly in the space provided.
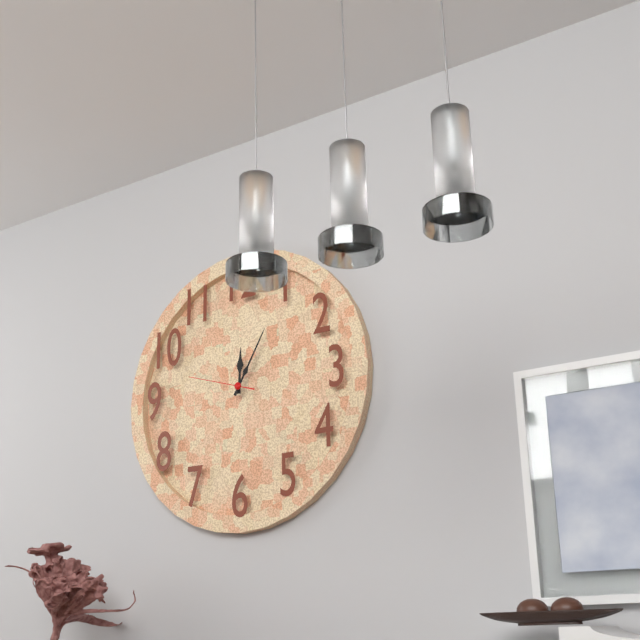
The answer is 12:05:48
